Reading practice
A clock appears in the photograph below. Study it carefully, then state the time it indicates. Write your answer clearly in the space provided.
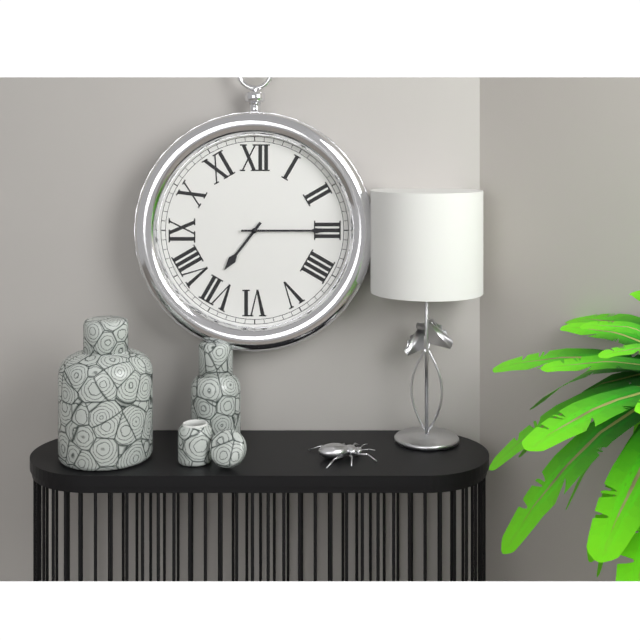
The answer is 7:15
